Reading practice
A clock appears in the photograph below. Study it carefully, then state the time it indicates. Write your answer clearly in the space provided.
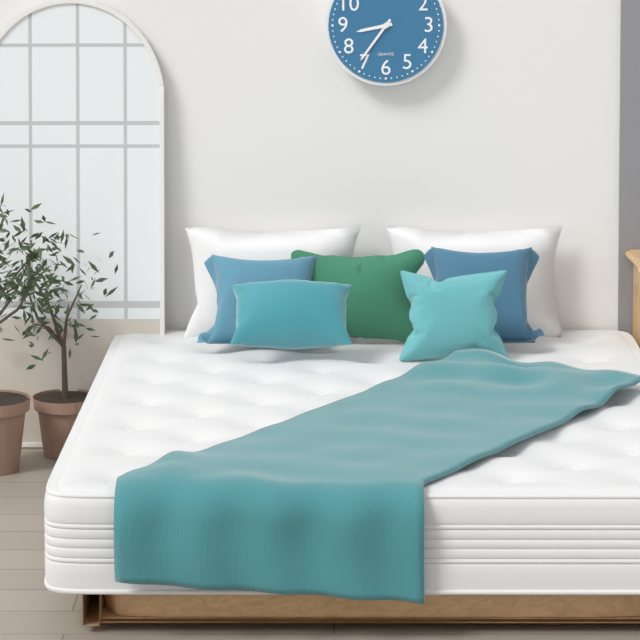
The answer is 8:36
